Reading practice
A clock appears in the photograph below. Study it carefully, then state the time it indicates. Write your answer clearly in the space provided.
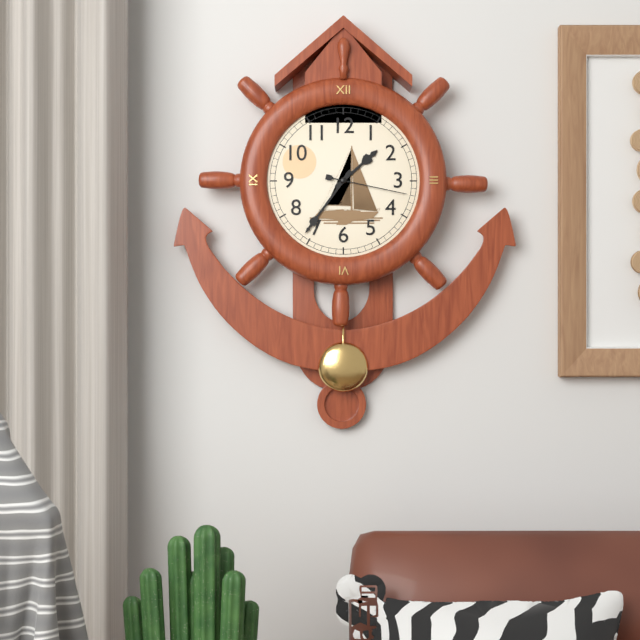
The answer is 1:36:17
